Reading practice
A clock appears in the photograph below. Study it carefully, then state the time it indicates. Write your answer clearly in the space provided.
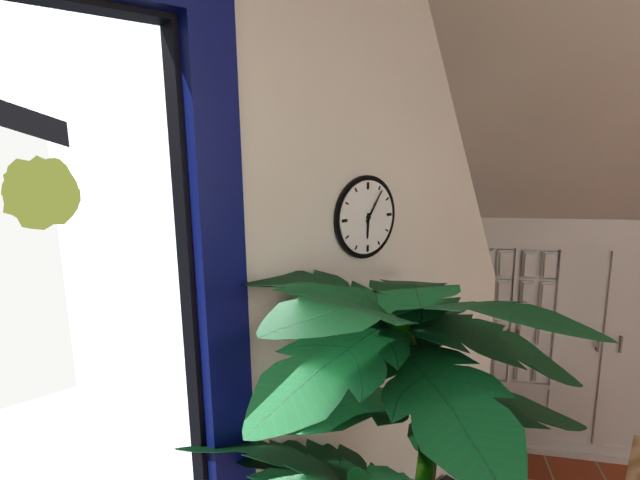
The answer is 6:06
